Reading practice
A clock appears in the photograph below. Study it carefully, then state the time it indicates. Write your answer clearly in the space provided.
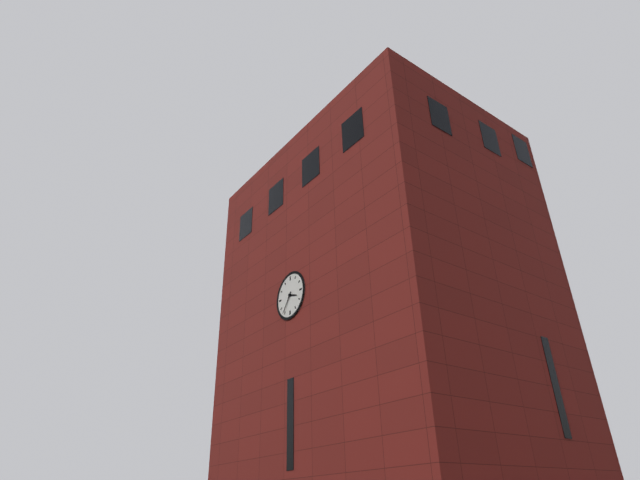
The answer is 3:36
